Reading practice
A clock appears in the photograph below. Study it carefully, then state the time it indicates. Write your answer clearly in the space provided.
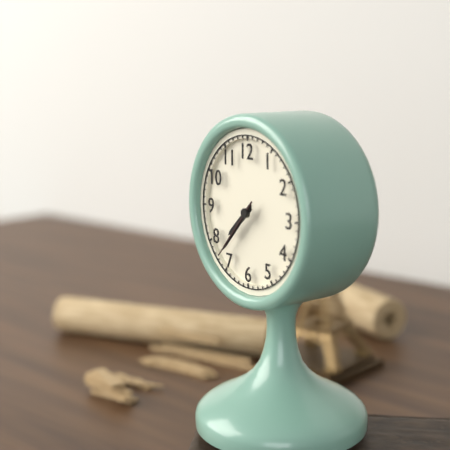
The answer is 7:37:37
